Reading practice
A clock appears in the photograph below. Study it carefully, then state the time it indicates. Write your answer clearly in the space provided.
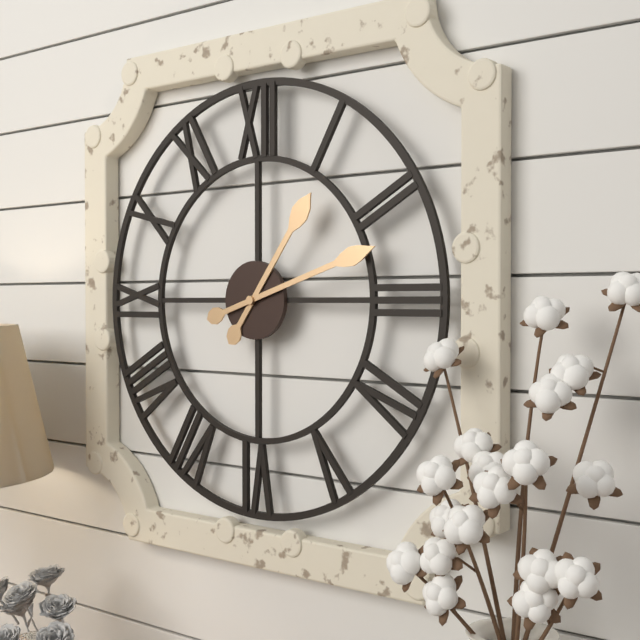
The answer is 1:12
